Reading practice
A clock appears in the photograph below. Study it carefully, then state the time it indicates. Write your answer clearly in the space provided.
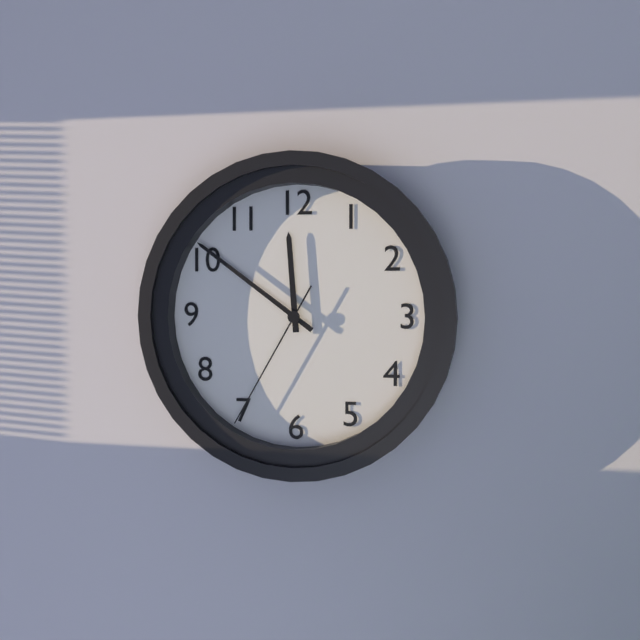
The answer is 11:51:35
